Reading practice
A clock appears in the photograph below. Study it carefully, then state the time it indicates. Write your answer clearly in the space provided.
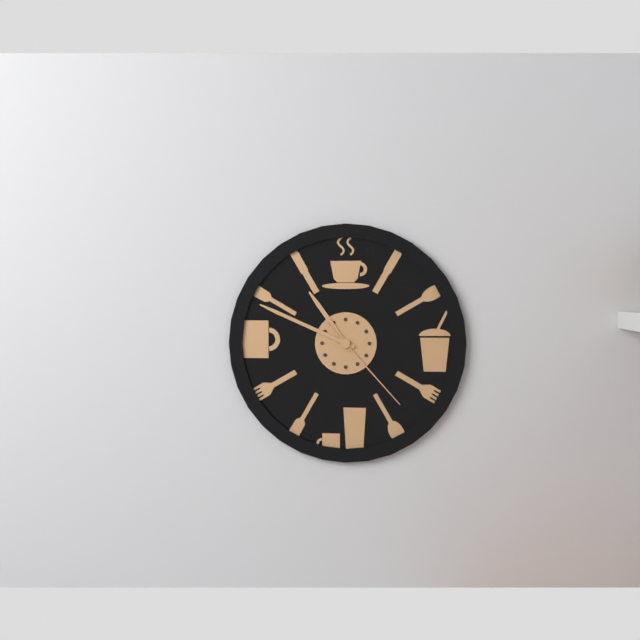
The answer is 10:49:23
